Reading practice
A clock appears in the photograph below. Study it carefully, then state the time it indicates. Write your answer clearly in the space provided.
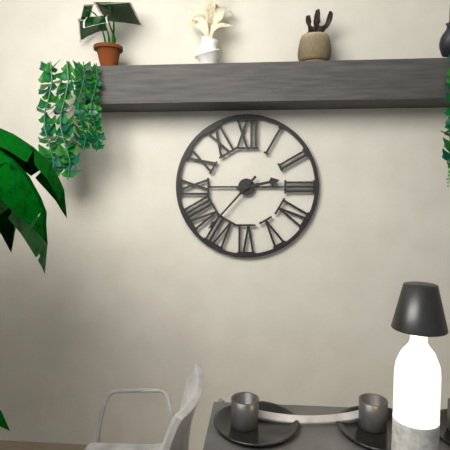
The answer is 2:37
